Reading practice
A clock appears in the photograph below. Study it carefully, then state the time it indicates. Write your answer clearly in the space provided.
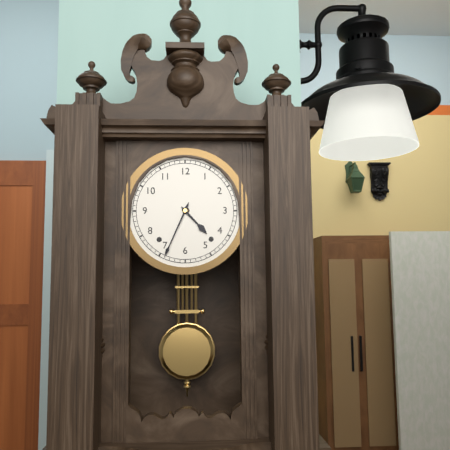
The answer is 4:34
